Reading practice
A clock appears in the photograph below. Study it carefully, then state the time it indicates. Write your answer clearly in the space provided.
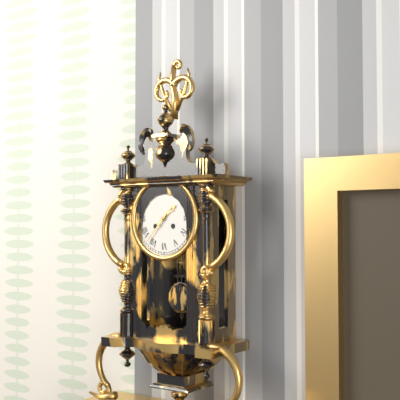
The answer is 1:37
